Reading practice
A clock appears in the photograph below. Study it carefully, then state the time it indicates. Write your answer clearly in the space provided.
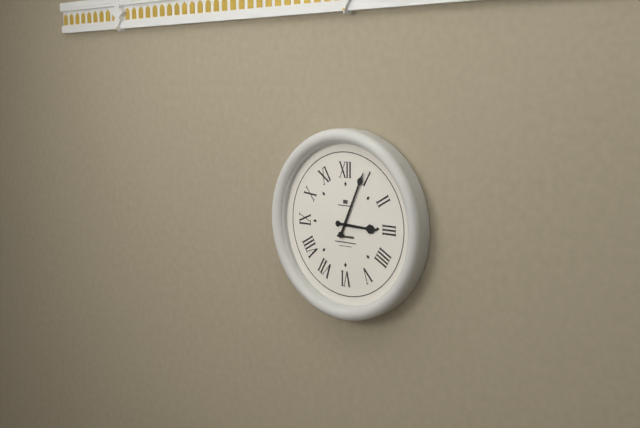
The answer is 3:04
